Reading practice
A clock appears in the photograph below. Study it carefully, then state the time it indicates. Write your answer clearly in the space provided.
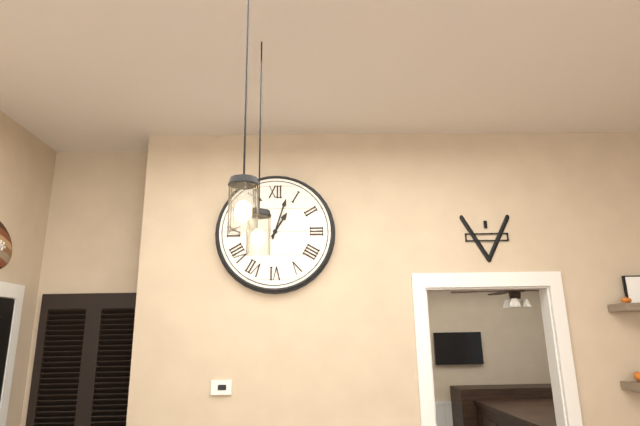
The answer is 1:03
